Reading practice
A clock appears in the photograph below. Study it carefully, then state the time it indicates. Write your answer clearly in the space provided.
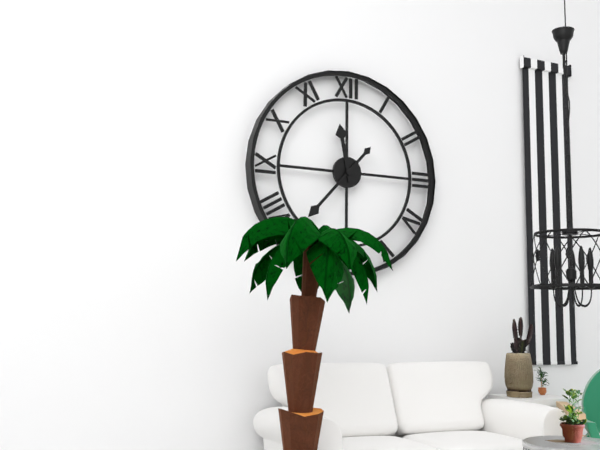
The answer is 11:37
